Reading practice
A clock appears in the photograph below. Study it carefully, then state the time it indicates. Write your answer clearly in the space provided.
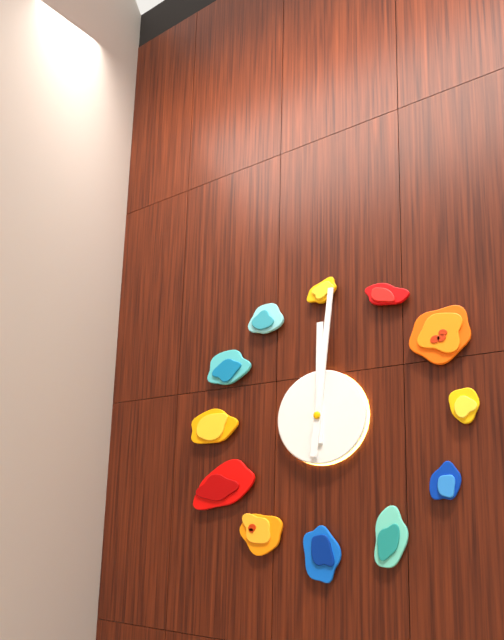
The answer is 12:01
